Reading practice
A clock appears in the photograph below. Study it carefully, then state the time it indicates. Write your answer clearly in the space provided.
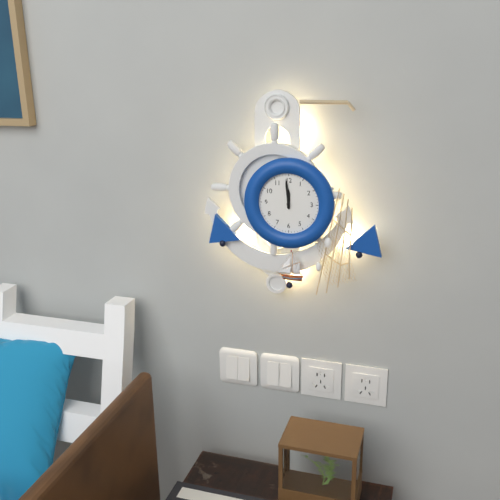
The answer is 11:59
